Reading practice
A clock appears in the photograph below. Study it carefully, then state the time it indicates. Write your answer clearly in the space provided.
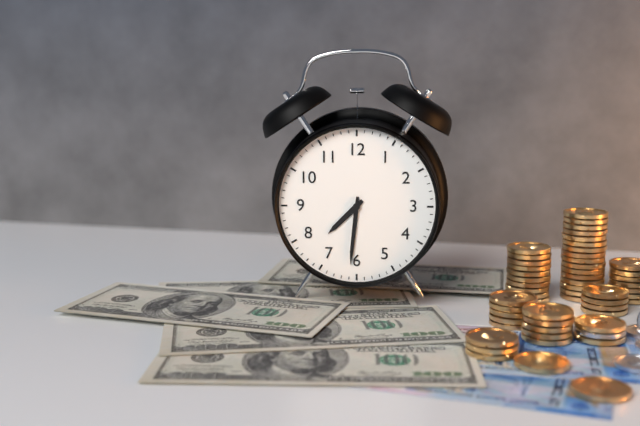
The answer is 7:31
